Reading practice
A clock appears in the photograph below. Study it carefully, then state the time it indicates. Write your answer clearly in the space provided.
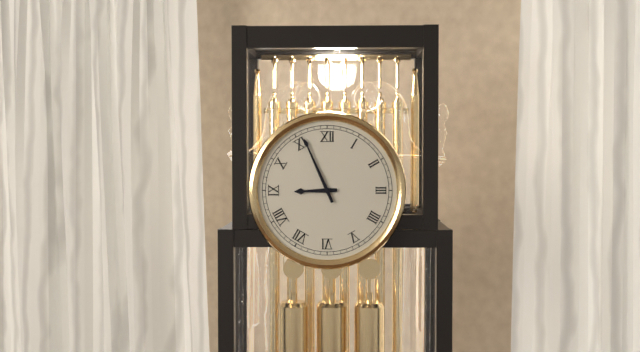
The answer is 8:56
